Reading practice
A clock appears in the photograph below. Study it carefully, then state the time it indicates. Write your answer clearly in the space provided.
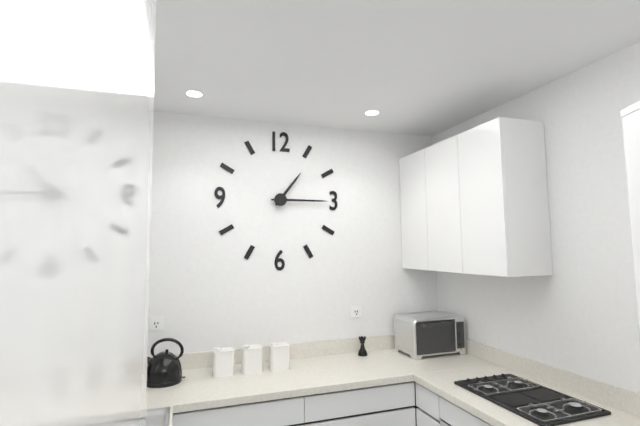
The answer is 1:15
